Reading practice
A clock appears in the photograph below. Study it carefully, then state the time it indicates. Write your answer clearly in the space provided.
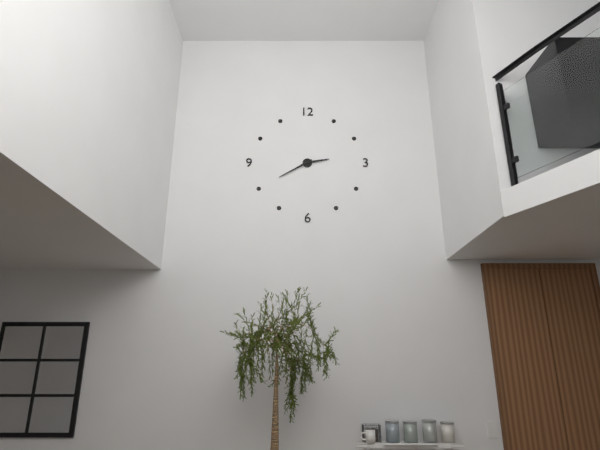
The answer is 2:40
